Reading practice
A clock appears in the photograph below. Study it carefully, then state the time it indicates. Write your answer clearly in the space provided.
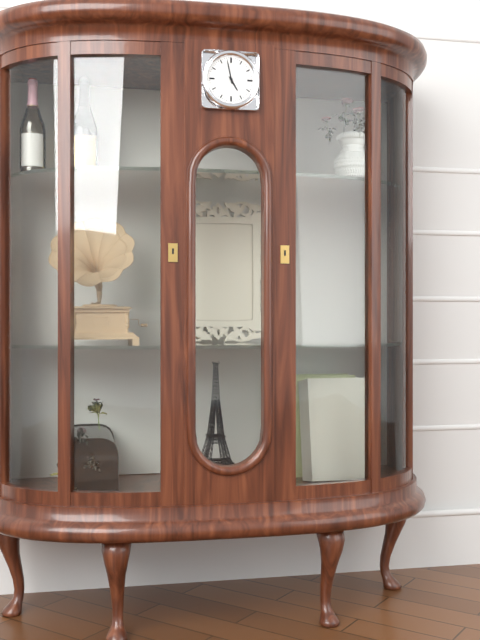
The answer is 4:58
